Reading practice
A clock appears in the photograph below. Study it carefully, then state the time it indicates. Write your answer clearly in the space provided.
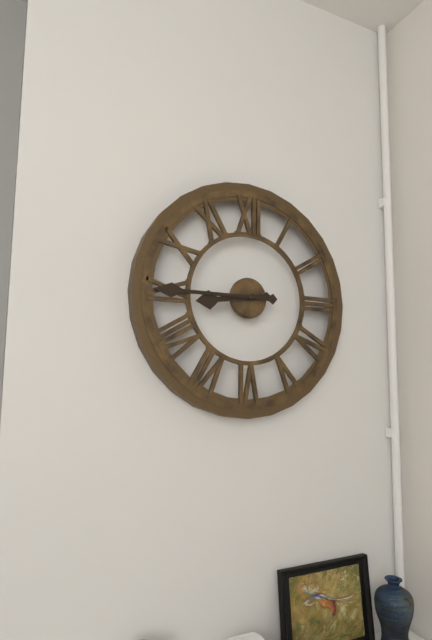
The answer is 8:45
